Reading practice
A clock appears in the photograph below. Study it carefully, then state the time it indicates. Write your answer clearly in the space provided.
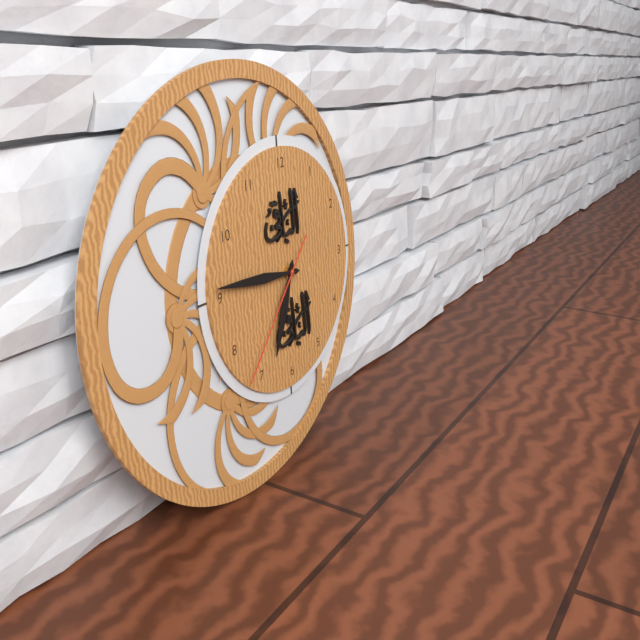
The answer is 6:46:37
